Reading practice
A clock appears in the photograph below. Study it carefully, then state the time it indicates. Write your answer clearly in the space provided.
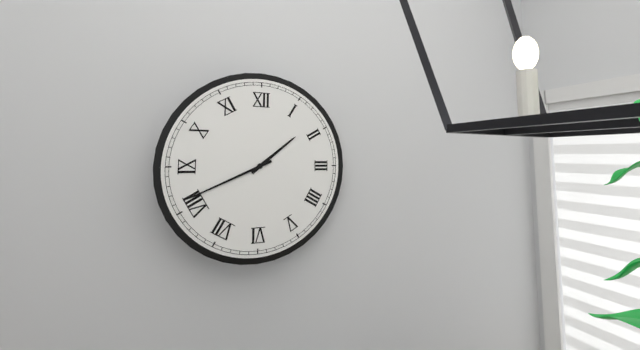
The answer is 1:41
